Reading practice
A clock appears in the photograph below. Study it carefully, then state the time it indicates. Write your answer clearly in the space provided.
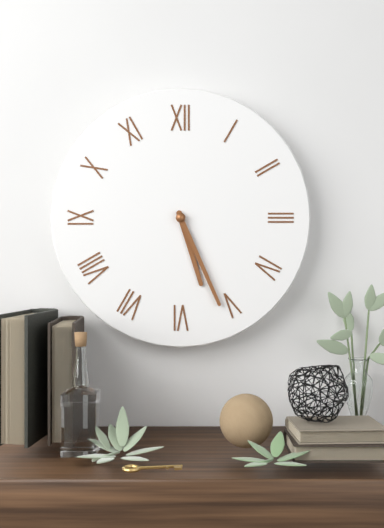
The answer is 5:26
